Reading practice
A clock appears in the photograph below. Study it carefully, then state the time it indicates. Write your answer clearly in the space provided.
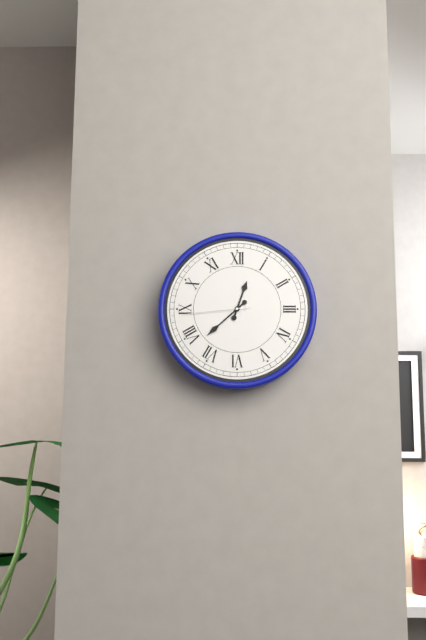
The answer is 12:38:44
